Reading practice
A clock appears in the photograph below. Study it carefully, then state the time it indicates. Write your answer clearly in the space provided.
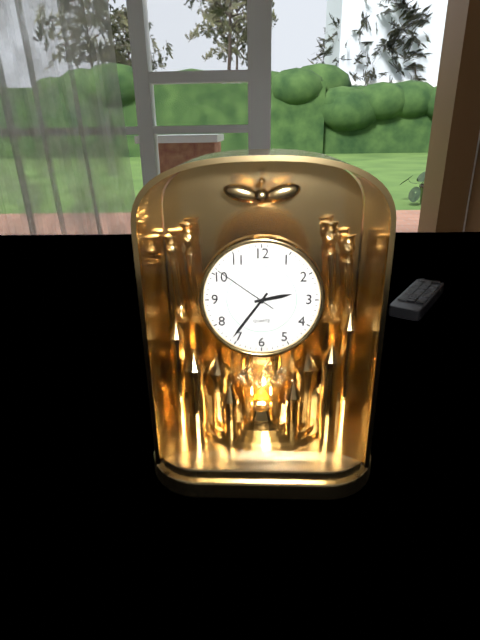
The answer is 2:36:51
